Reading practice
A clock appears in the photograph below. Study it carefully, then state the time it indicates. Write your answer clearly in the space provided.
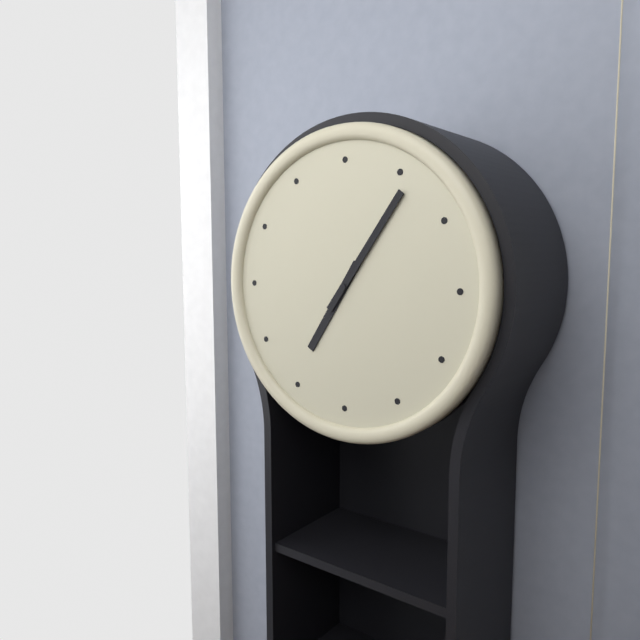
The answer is 7:06
